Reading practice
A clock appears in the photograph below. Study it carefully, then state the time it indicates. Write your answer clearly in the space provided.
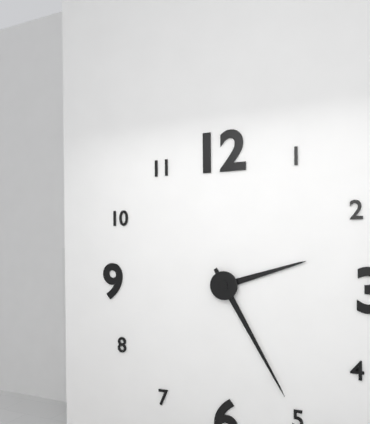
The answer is 2:25
